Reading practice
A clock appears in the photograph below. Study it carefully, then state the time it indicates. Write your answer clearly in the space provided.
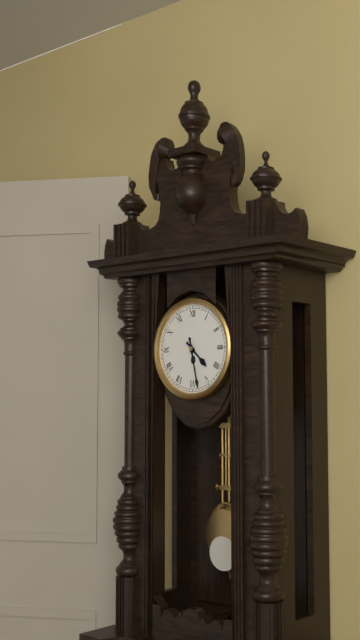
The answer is 4:28
